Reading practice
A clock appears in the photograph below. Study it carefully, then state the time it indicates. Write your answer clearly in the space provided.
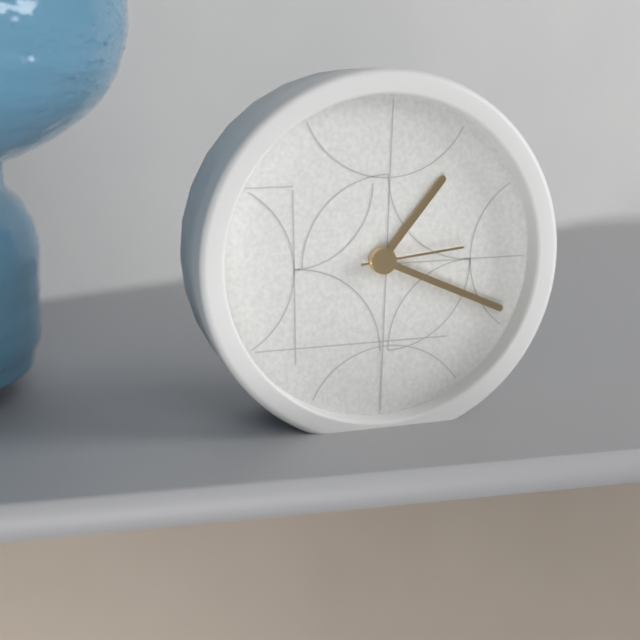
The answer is 1:19:14
